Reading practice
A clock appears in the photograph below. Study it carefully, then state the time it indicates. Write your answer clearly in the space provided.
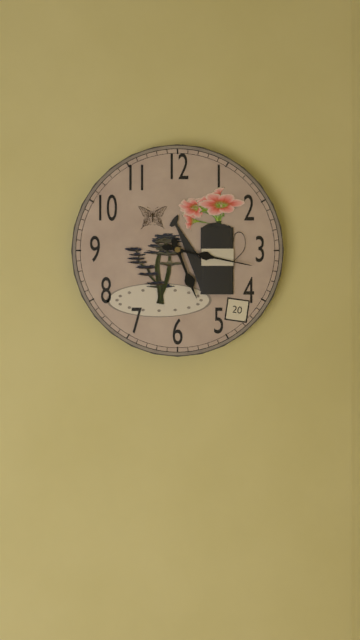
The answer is 5:17
